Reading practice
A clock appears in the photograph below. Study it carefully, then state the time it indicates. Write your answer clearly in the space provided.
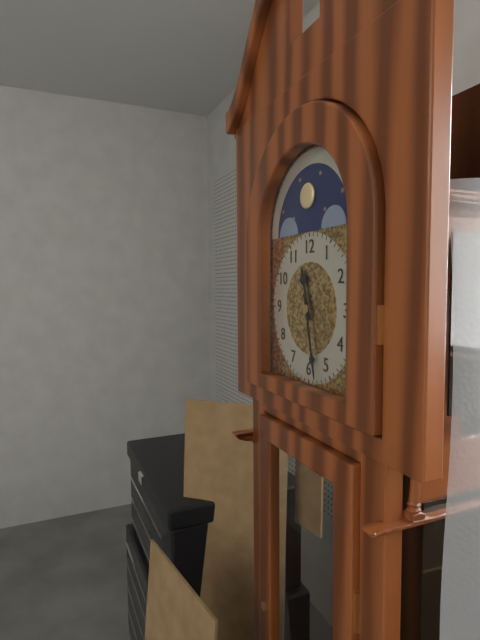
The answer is 11:28
